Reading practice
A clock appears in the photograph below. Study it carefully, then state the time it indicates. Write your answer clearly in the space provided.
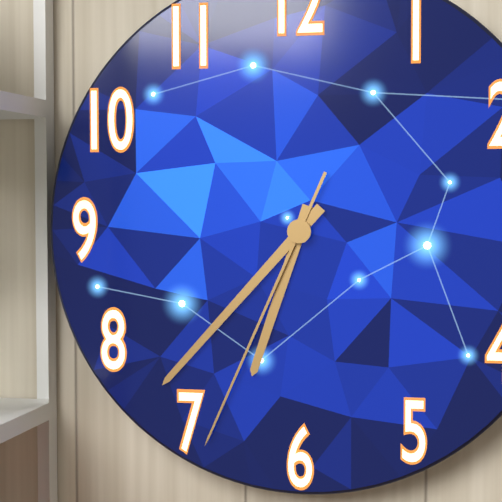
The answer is 6:37:34
